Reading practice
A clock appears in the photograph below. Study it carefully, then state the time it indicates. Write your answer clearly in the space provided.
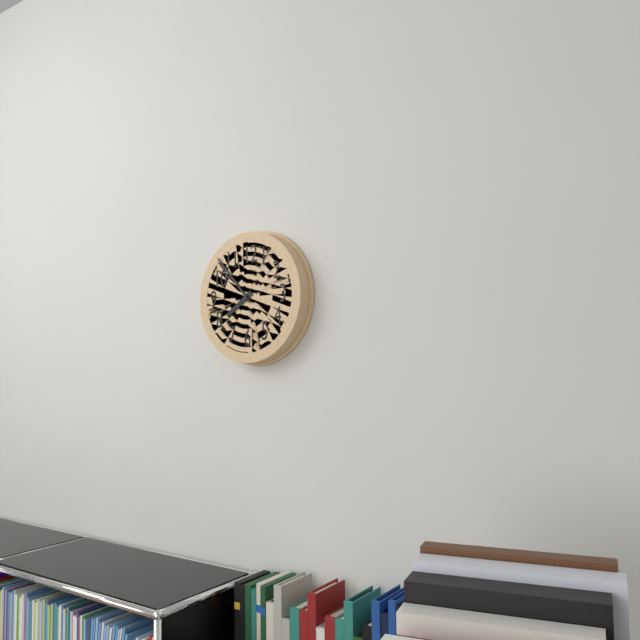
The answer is 7:53
